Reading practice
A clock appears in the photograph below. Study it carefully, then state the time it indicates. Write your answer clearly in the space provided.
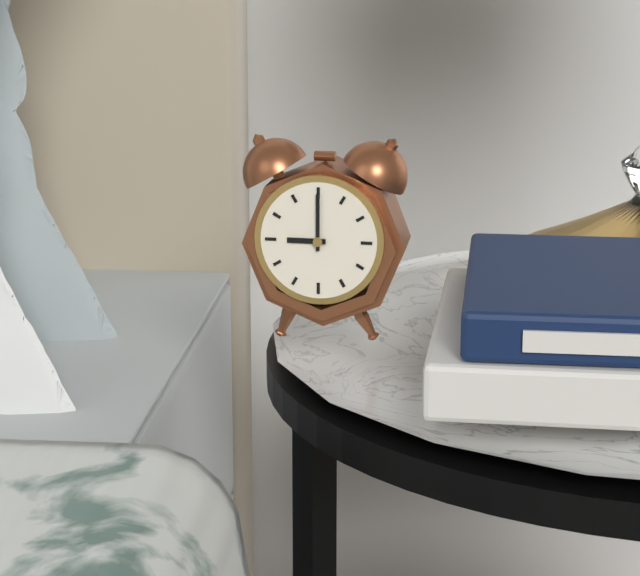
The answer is 9:00
